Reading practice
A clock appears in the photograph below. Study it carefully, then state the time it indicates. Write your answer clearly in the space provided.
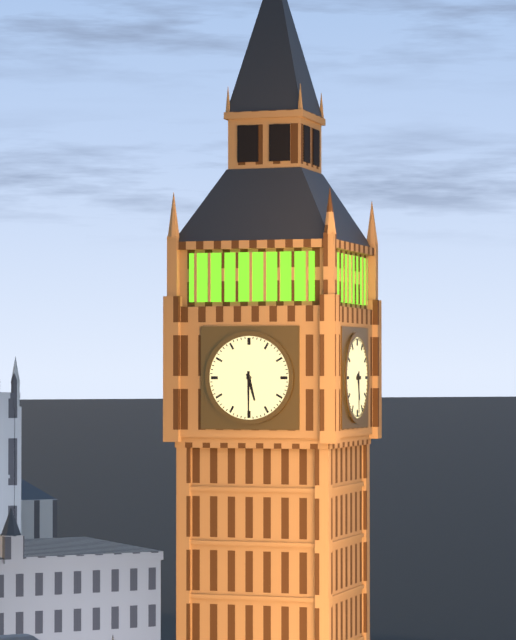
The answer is 5:30
